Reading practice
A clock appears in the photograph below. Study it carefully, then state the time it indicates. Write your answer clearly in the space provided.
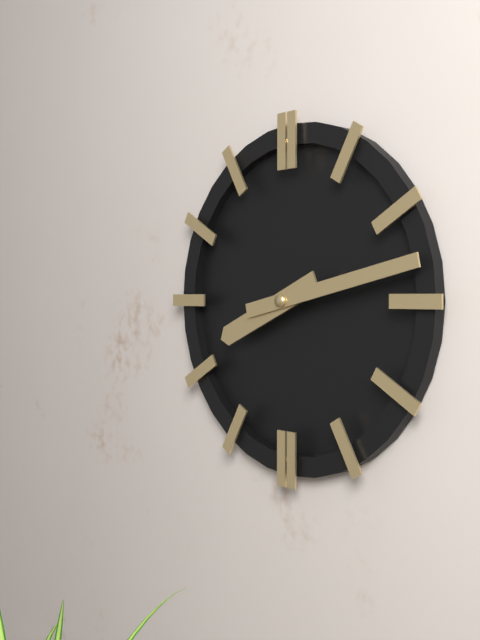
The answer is 8:13
